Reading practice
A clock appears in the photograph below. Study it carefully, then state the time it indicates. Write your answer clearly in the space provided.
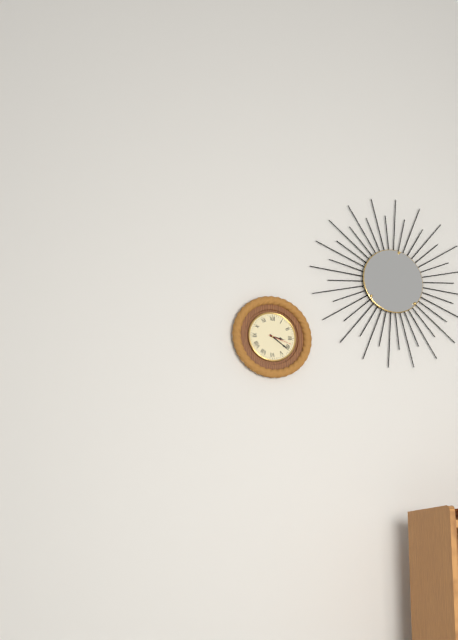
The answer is 3:21
